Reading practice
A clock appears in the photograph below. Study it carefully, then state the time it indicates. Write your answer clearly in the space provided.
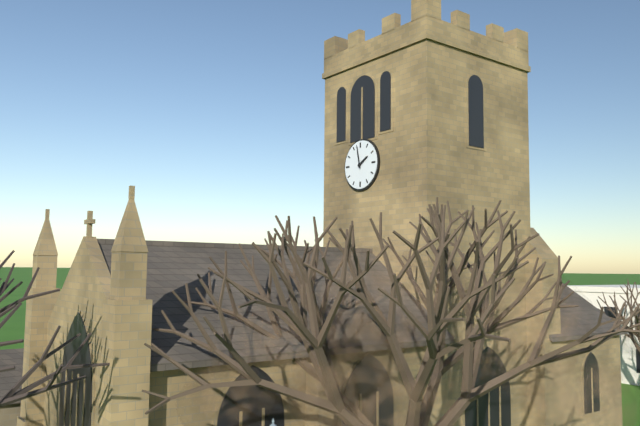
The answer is 1:58
